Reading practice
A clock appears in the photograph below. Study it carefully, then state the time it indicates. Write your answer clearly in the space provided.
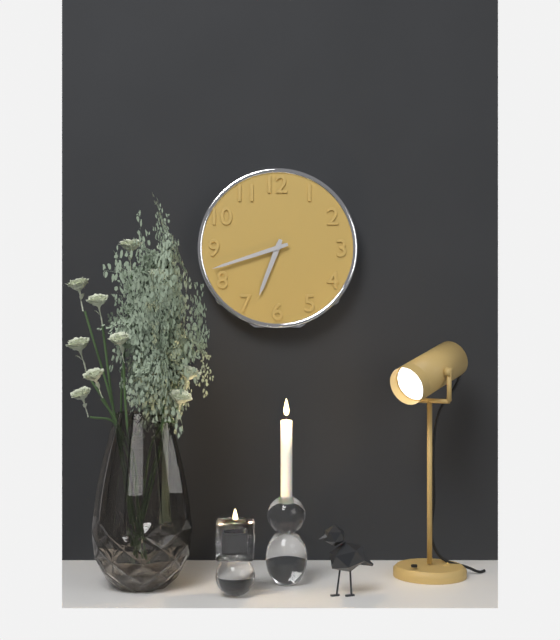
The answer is 6:42
